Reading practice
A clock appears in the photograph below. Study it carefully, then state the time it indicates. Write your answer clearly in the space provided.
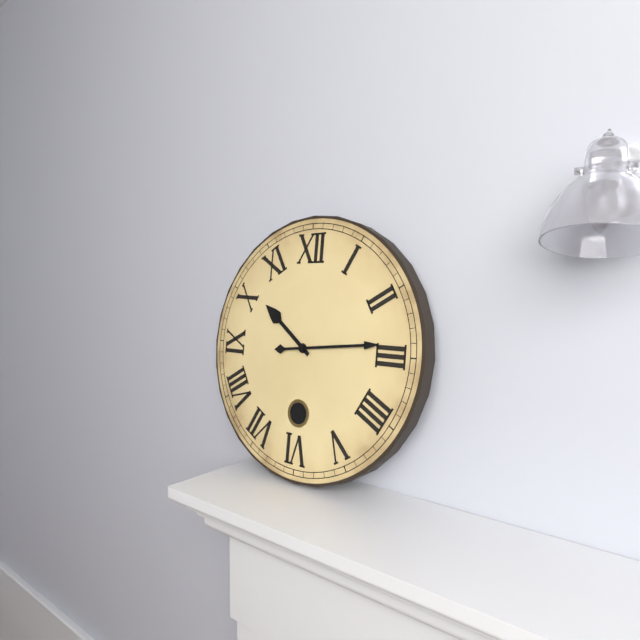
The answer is 10:14
